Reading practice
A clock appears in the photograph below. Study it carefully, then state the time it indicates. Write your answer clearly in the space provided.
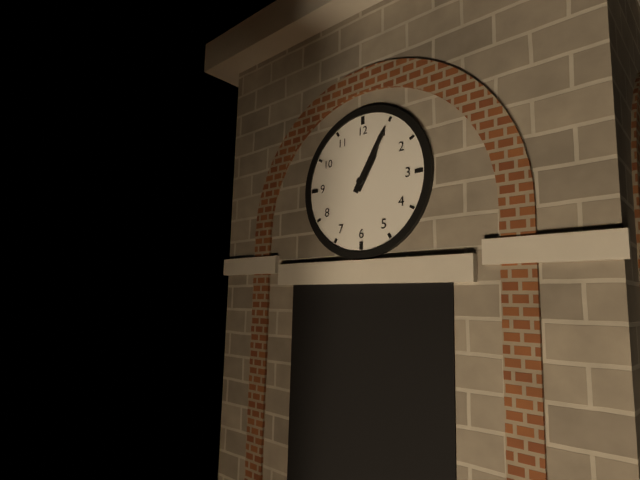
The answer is 1:05
